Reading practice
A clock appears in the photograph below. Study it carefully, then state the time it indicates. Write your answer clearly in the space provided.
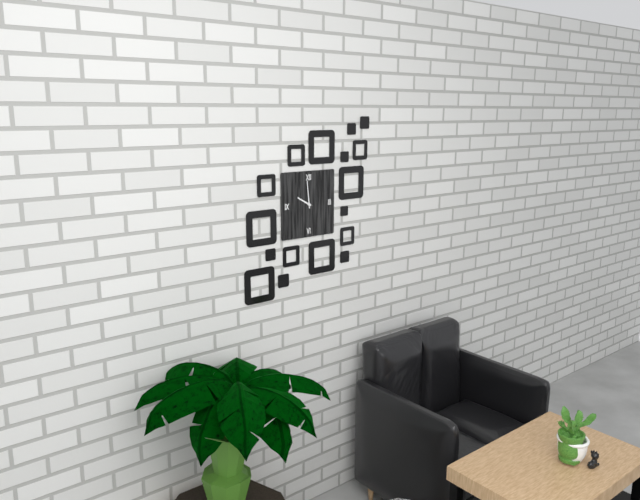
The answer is 9:59
